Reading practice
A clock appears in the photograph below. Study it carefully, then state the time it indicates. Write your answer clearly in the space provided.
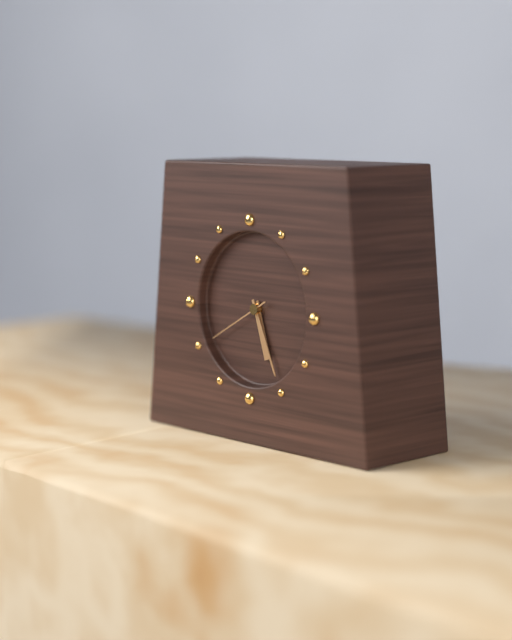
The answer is 5:26:40
